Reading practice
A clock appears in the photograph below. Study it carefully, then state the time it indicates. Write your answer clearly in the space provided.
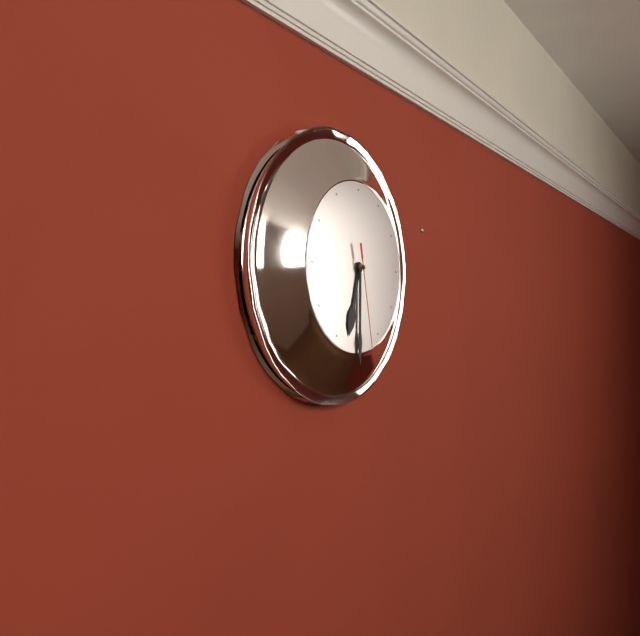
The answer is 6:30:28
